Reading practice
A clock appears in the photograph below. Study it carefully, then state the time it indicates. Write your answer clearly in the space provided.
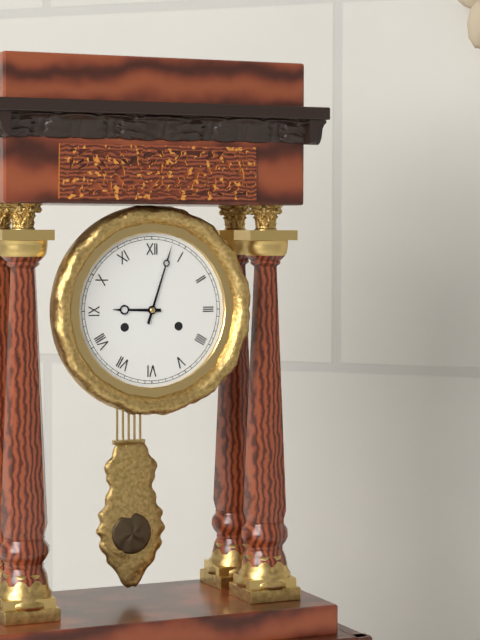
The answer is 9:03
